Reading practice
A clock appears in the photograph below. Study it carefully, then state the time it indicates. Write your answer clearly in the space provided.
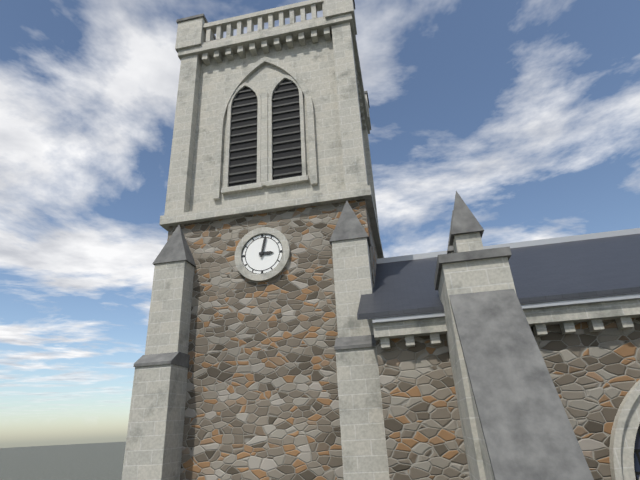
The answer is 3:02
